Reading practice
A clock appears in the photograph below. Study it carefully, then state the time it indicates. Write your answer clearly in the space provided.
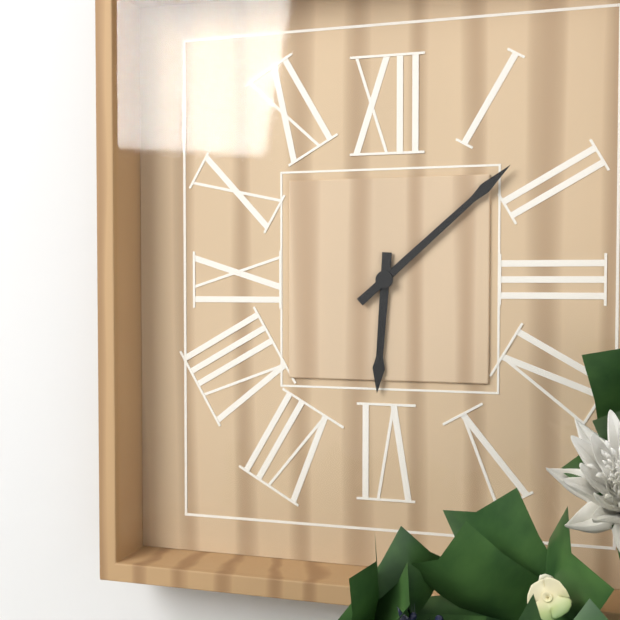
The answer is 6:08
